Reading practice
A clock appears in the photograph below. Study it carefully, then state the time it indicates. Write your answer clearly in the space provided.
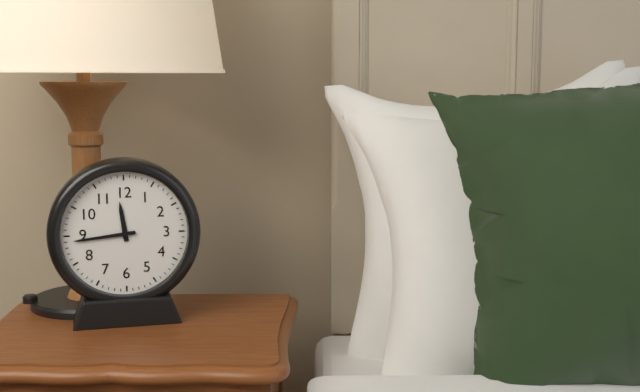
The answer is 11:44
